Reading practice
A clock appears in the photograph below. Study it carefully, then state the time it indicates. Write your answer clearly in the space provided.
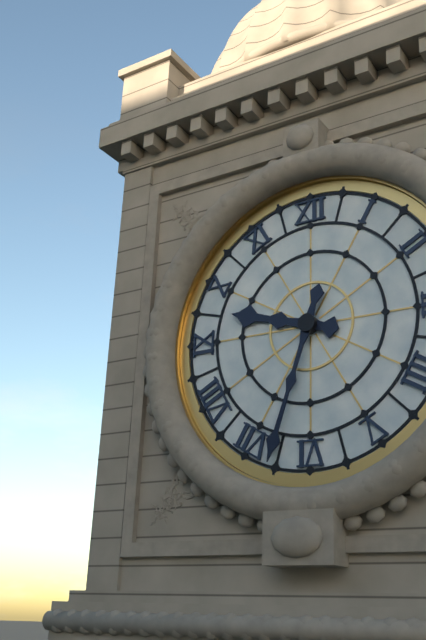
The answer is 9:33
